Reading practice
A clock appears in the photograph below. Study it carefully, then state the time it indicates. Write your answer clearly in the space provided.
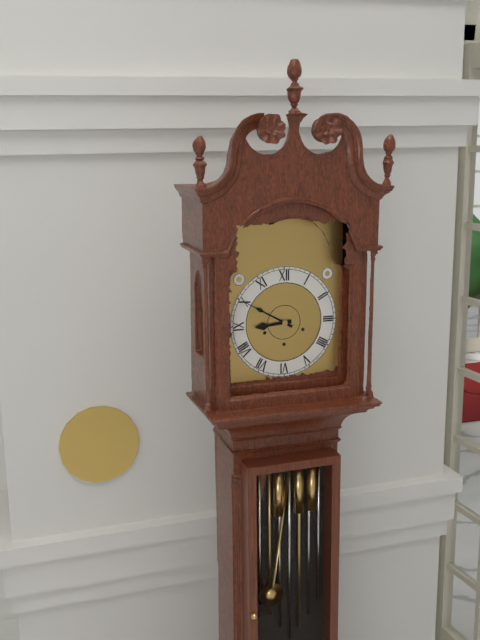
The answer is 8:50
